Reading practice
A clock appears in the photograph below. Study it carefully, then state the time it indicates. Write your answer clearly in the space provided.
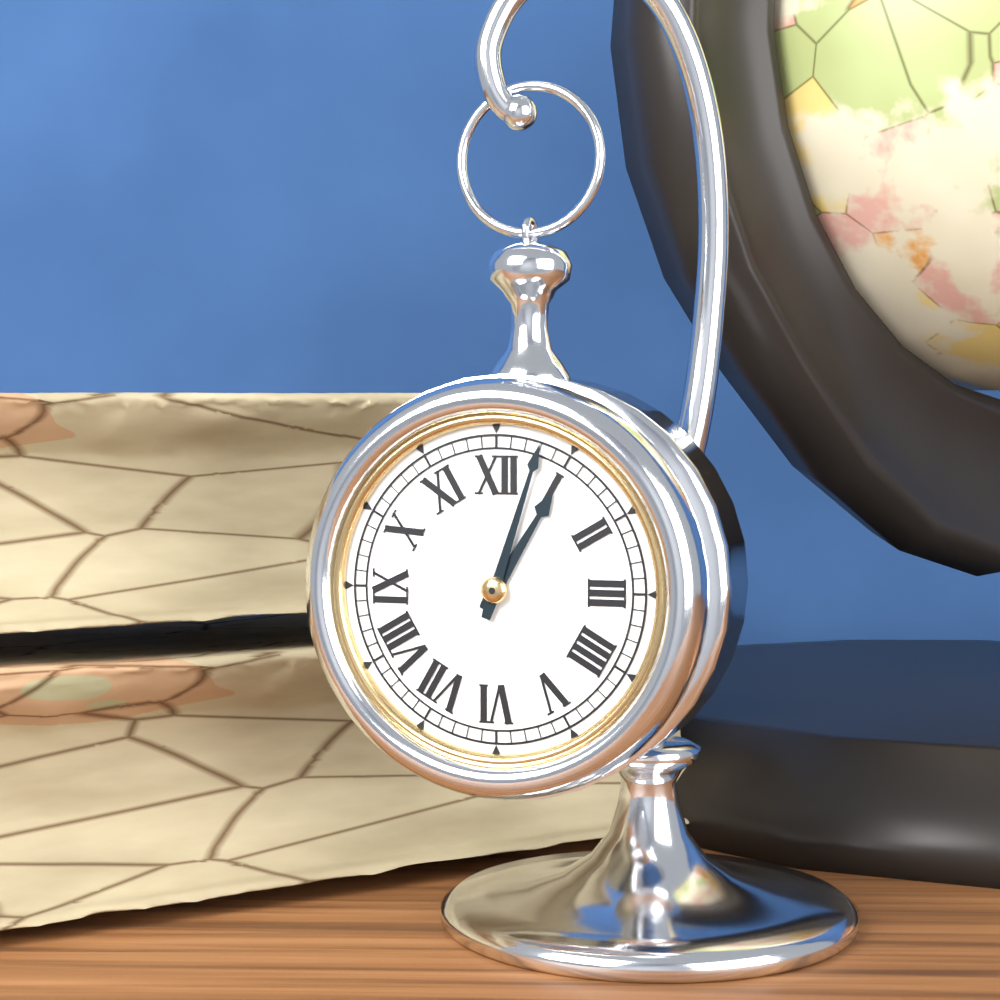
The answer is 1:03
